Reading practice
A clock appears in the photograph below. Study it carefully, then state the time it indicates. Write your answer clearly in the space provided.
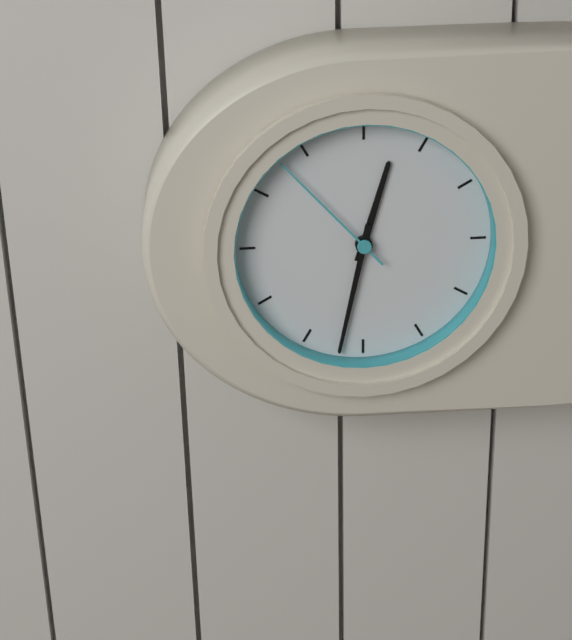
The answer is 12:32:53
